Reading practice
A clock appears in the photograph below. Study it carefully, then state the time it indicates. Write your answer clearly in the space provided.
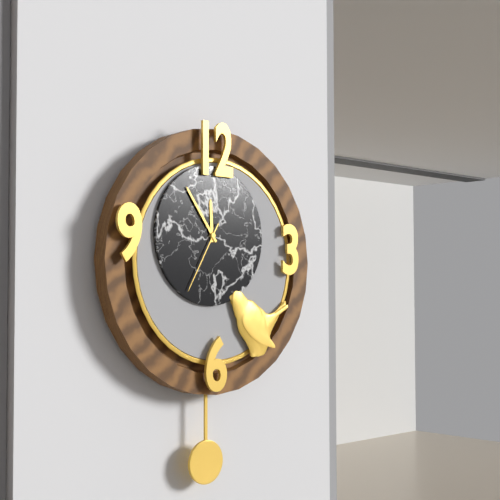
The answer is 11:54:35
